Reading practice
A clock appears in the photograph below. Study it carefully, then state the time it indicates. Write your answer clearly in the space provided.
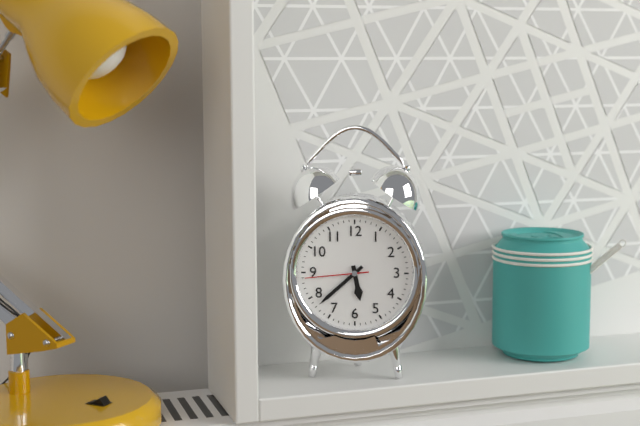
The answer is 5:38:44
